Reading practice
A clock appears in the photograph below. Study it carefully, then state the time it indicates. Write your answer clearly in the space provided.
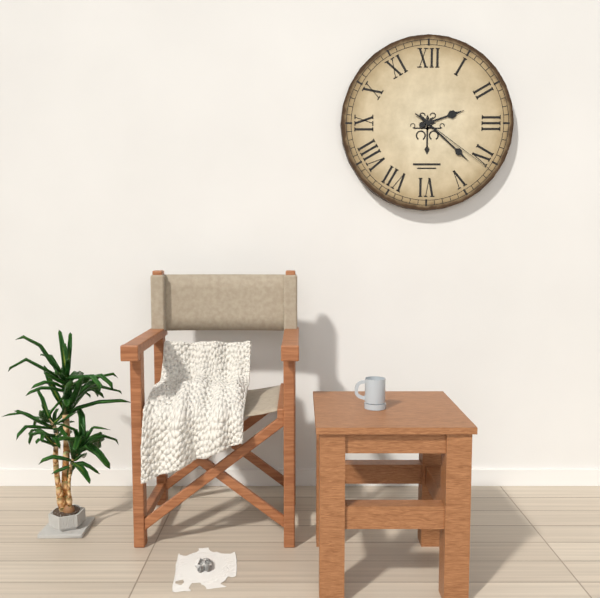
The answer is 2:22:21
